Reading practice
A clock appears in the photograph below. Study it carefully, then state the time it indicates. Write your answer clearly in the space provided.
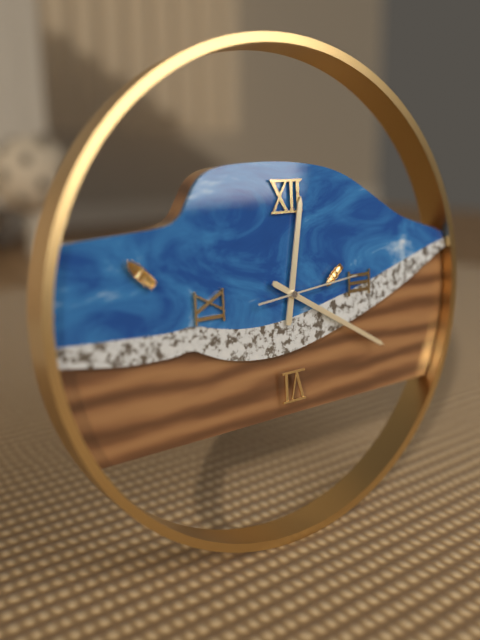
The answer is 12:20:14
